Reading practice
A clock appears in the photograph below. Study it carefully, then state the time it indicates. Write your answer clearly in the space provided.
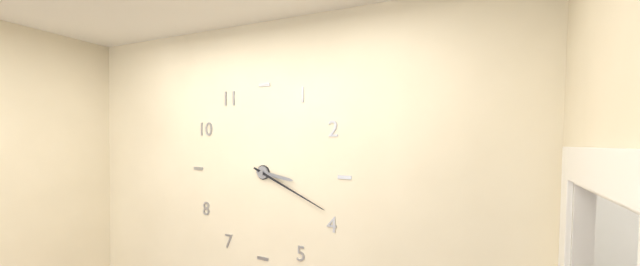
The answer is 3:19
